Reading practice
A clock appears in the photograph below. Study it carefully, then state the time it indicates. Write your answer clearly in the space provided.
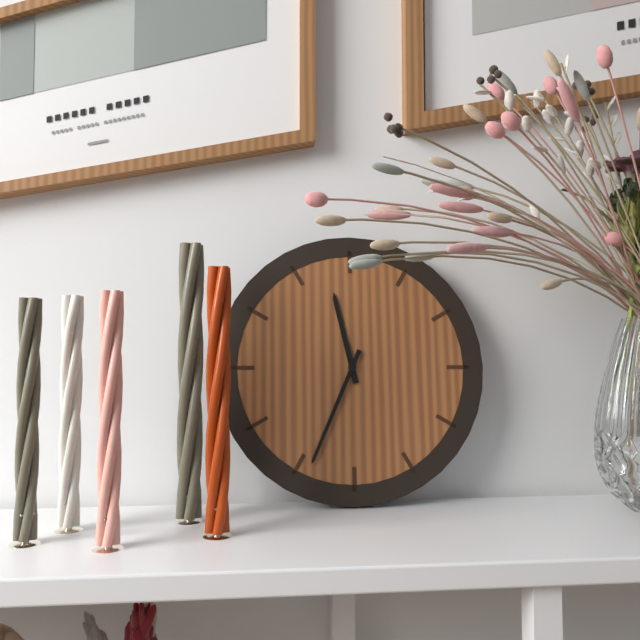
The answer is 11:34
